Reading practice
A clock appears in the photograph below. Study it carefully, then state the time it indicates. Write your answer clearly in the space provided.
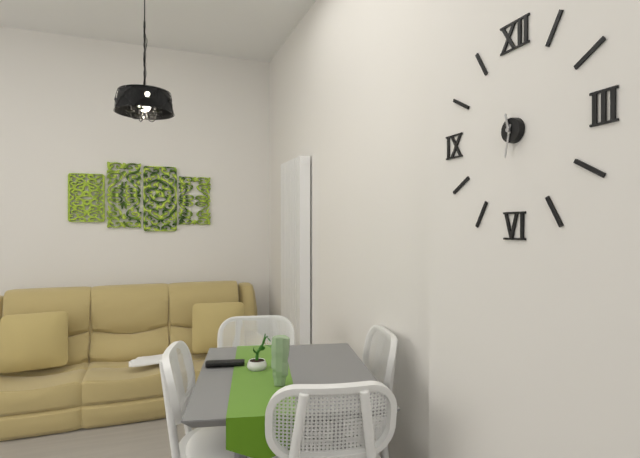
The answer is 11:32
